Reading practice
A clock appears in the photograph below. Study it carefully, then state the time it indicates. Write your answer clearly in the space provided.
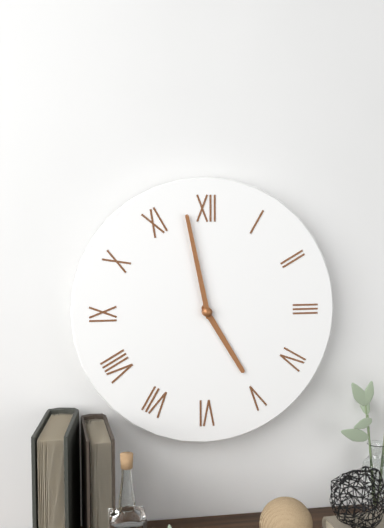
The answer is 4:58
